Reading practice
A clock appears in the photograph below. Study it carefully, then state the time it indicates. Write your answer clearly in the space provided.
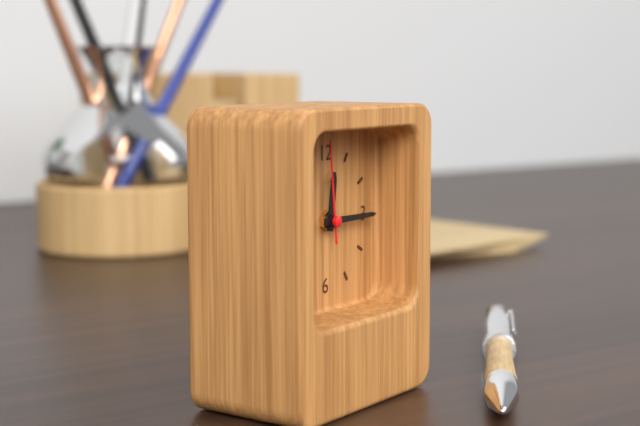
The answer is 12:15:59
